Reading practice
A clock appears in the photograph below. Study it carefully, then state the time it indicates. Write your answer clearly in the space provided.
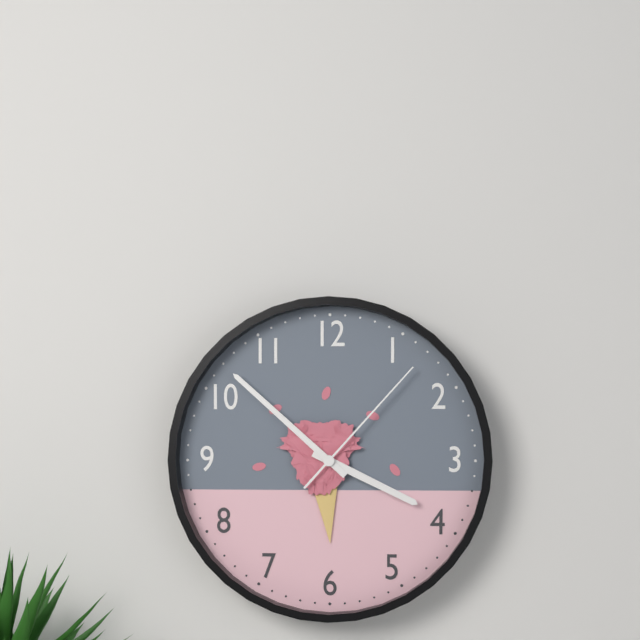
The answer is 3:52:07
